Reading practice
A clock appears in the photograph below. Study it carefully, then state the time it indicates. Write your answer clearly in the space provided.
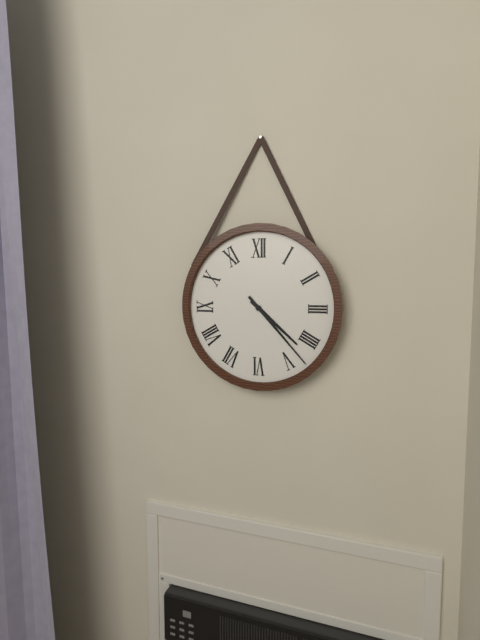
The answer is 4:23
